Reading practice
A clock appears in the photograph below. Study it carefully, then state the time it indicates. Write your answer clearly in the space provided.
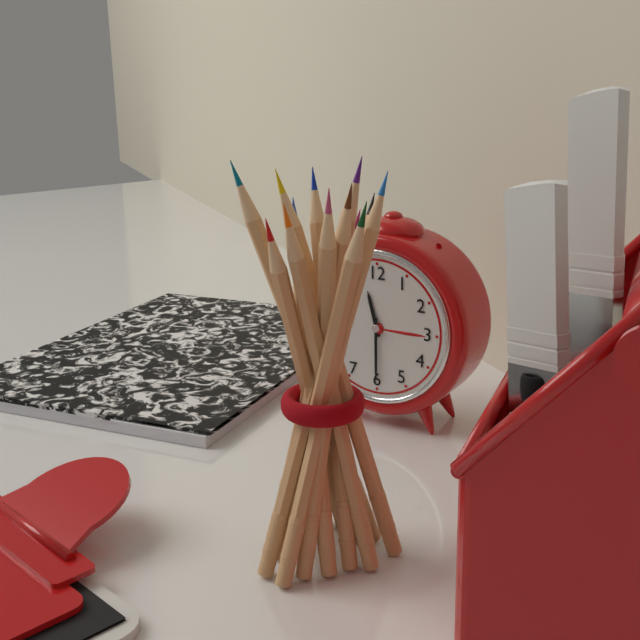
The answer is 11:30
